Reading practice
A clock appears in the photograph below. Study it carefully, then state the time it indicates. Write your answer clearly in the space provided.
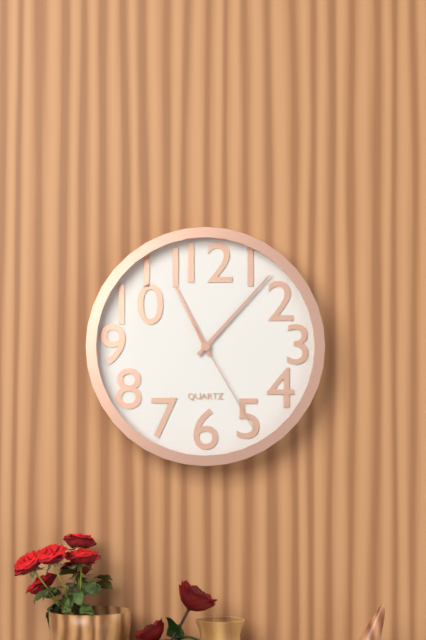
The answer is 11:07:25
